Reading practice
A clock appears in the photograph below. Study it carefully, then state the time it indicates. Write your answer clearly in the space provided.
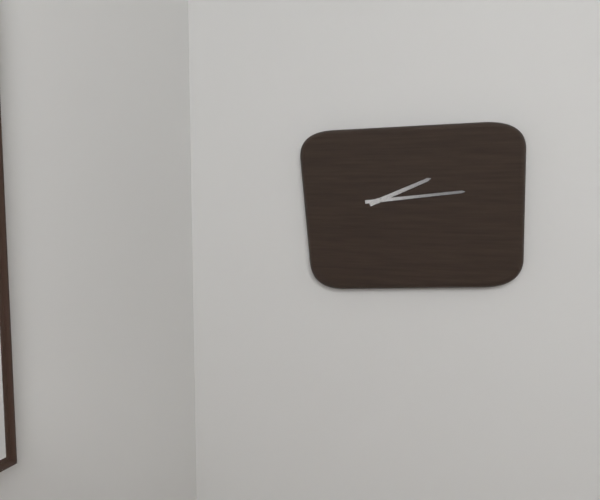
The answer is 2:14
